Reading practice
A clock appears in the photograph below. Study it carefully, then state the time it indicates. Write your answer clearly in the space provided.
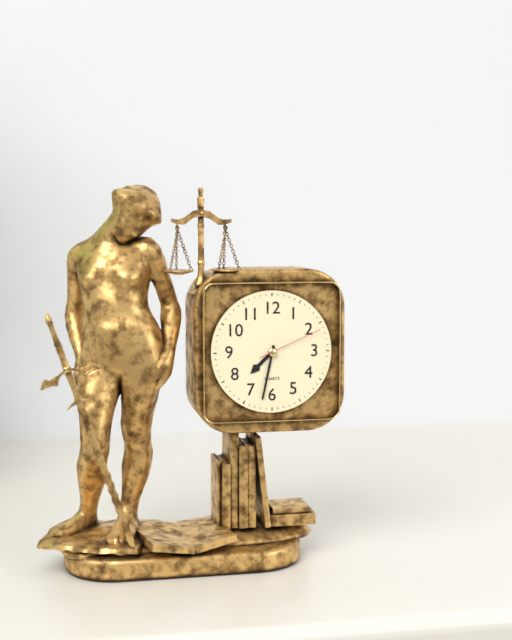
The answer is 7:32:11
